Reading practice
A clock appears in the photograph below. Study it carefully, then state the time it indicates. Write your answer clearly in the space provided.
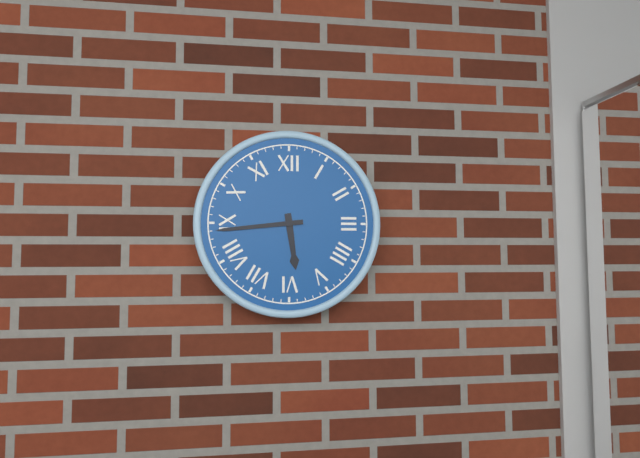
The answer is 5:44
